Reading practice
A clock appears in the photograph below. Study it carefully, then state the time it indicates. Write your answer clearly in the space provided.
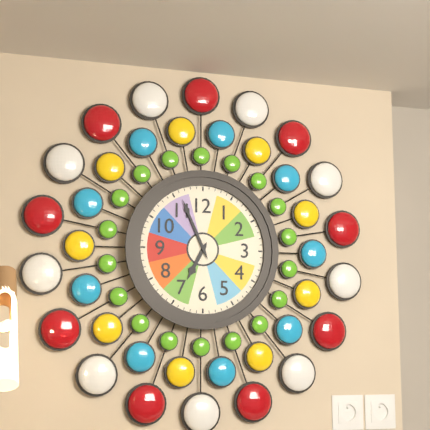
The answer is 6:56
